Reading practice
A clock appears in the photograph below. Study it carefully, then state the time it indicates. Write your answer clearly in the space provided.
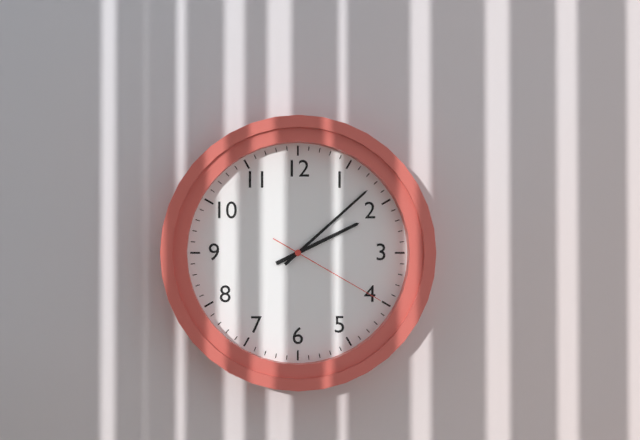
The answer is 2:08:20
